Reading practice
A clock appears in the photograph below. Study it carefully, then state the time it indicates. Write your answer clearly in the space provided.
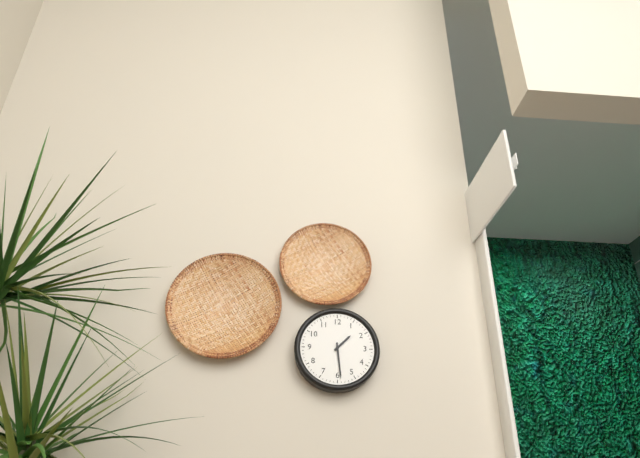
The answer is 1:29
